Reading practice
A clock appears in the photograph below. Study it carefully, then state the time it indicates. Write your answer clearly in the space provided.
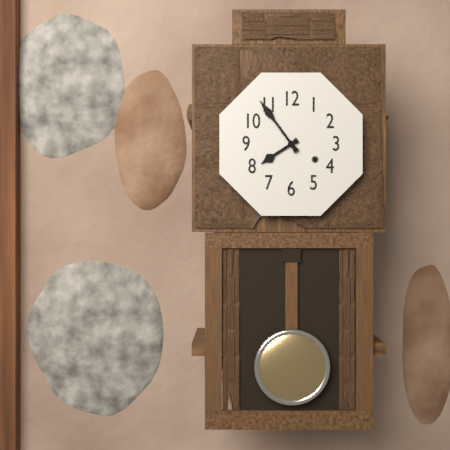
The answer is 7:54
